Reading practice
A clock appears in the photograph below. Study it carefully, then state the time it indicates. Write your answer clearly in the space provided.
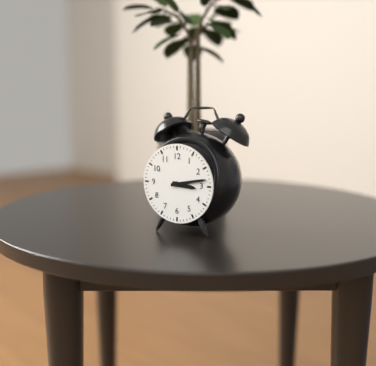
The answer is 3:13
